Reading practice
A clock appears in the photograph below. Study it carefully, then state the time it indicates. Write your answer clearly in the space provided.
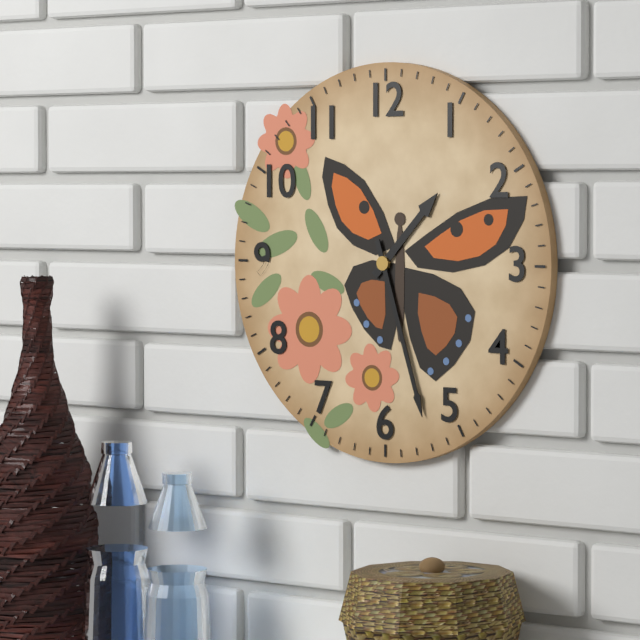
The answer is 1:27
